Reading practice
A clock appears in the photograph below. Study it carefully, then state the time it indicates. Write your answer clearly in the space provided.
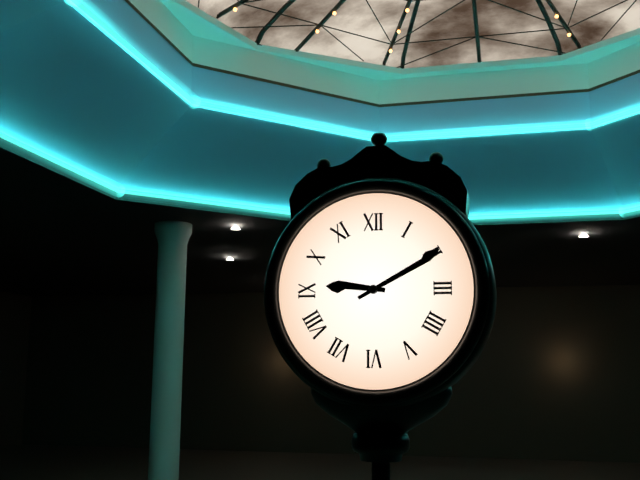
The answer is 9:10
